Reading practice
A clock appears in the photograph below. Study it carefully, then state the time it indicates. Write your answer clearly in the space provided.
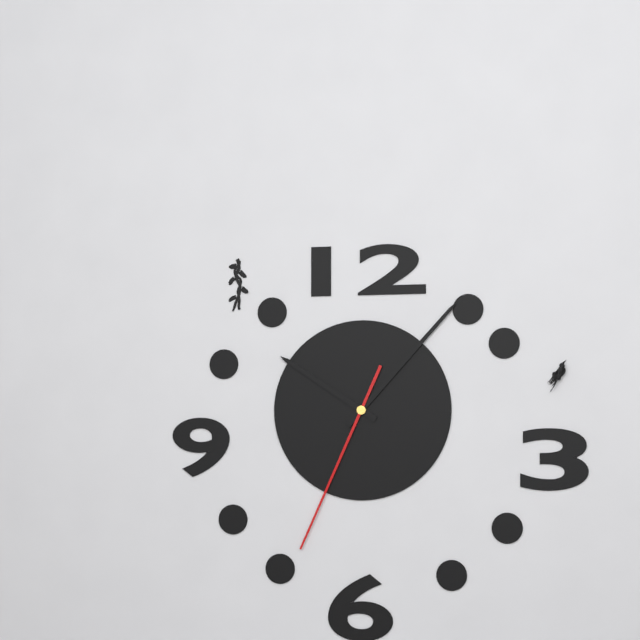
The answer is 10:07:34
